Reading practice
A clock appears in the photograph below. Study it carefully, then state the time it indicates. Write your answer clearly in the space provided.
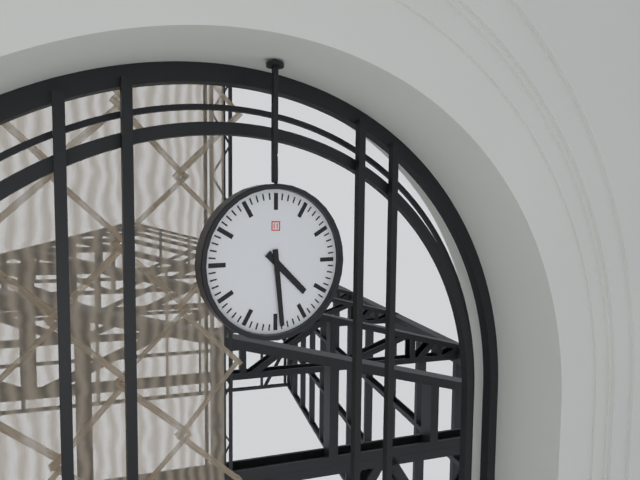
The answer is 4:29
